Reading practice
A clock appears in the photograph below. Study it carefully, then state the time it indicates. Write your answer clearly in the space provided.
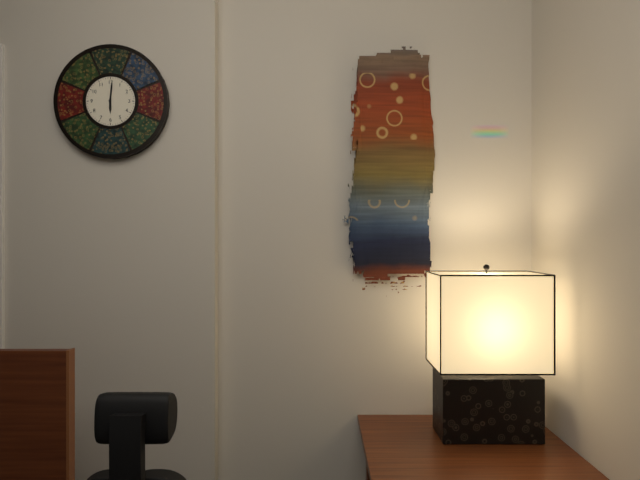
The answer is 6:01
